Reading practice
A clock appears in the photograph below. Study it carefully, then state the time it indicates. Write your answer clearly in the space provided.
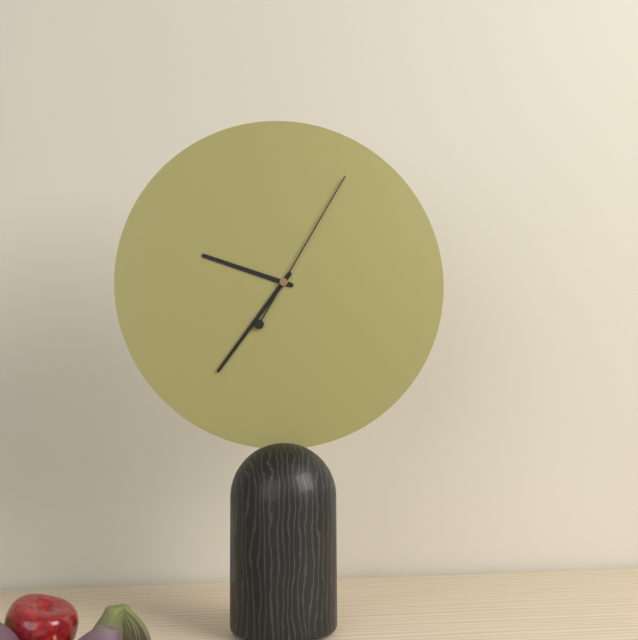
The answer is 9:36:05
